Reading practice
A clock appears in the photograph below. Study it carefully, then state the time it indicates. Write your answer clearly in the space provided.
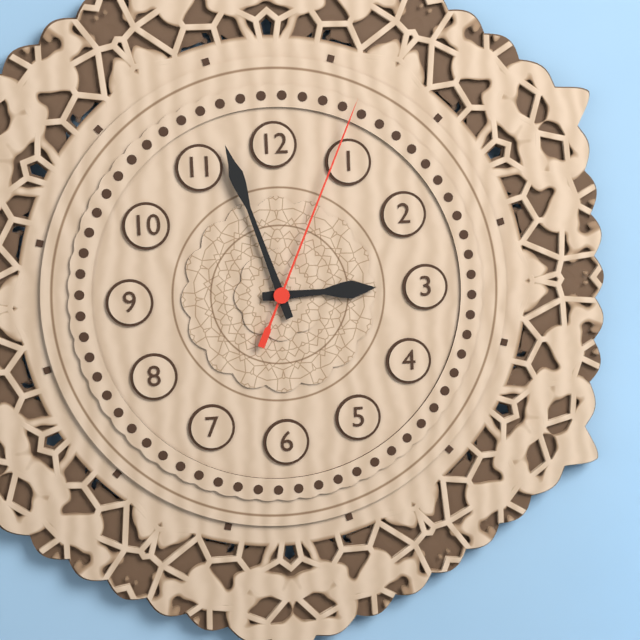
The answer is 2:57:04
